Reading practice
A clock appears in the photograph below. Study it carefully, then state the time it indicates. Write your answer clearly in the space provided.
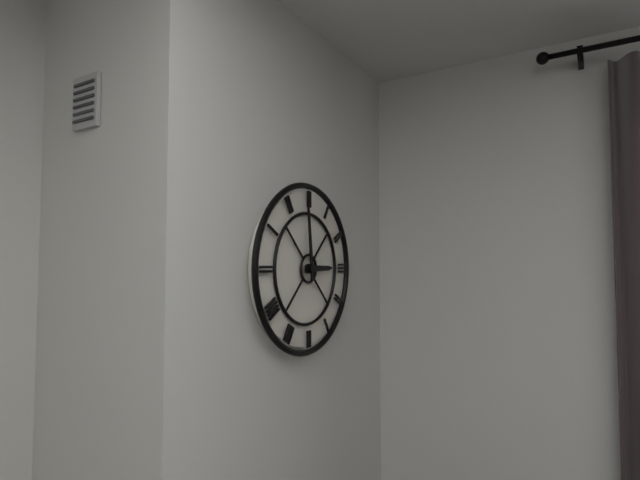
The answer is 2:59
